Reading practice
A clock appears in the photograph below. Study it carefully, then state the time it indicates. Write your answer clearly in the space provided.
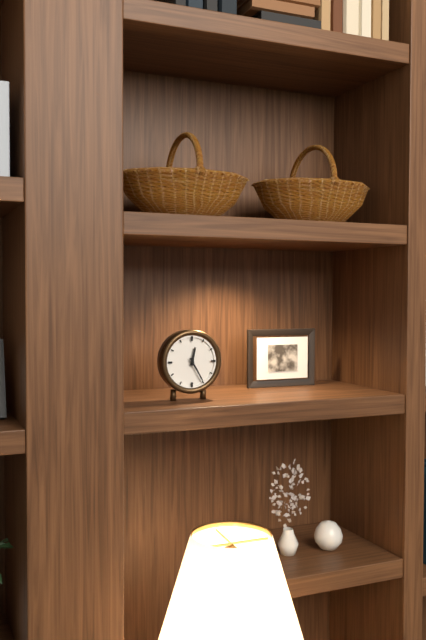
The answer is 12:25
